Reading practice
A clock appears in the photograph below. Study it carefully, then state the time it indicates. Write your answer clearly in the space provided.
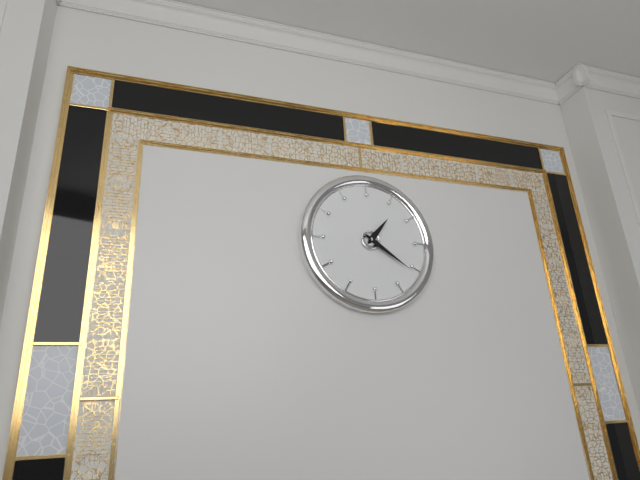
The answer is 1:21
